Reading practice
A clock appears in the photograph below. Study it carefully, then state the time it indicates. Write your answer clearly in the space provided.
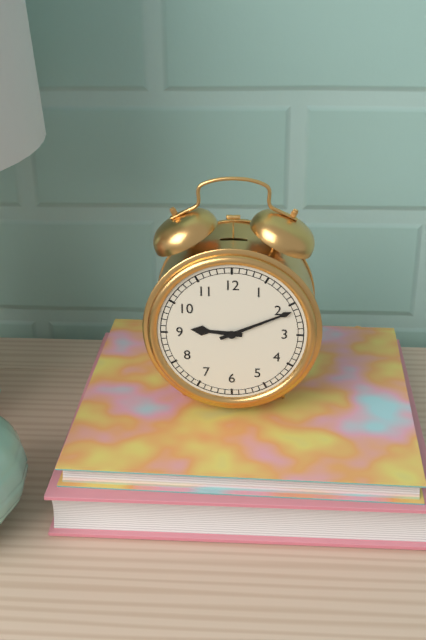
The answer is 9:11
